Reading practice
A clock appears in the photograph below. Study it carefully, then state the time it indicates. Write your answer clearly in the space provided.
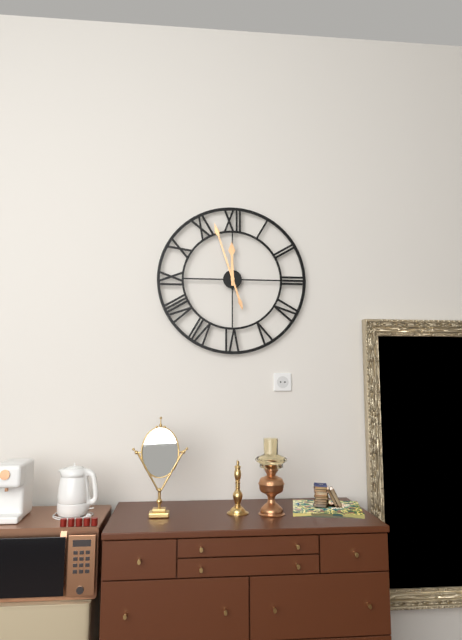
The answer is 11:57
